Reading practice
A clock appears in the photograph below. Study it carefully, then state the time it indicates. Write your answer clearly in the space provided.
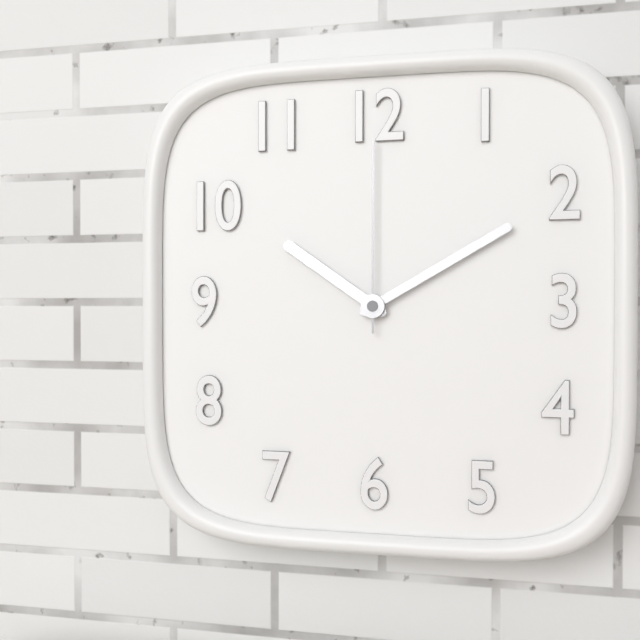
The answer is 10:10:00
